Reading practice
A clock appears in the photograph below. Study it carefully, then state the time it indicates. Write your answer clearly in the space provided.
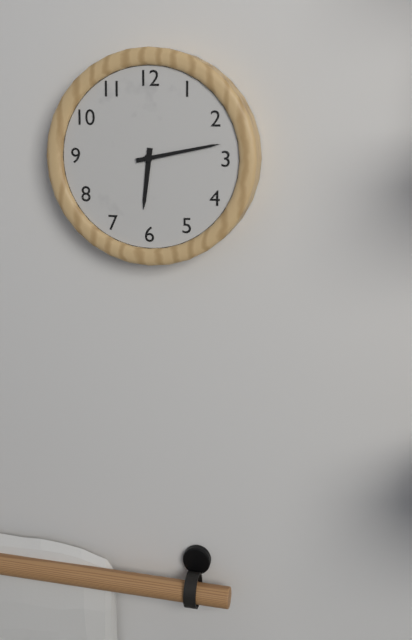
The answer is 6:13
